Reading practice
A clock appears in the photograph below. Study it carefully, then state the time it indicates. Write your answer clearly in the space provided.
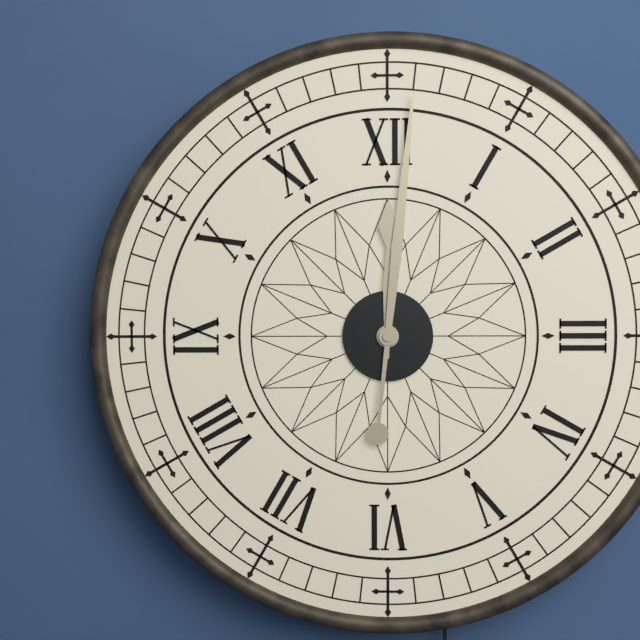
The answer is 12:01
